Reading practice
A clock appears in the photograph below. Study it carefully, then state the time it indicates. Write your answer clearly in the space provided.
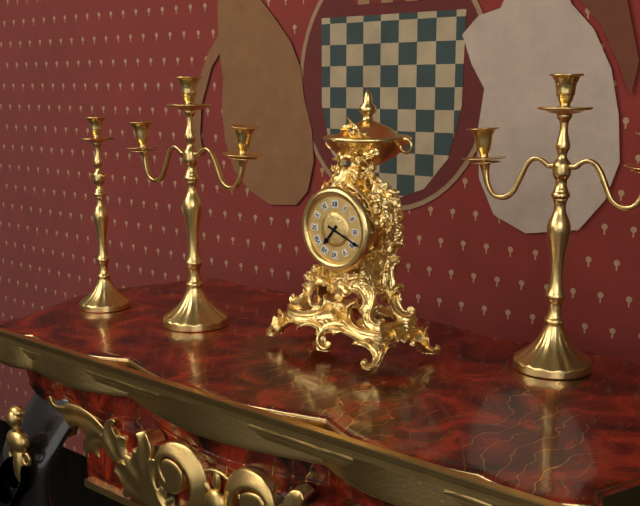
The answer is 7:19
